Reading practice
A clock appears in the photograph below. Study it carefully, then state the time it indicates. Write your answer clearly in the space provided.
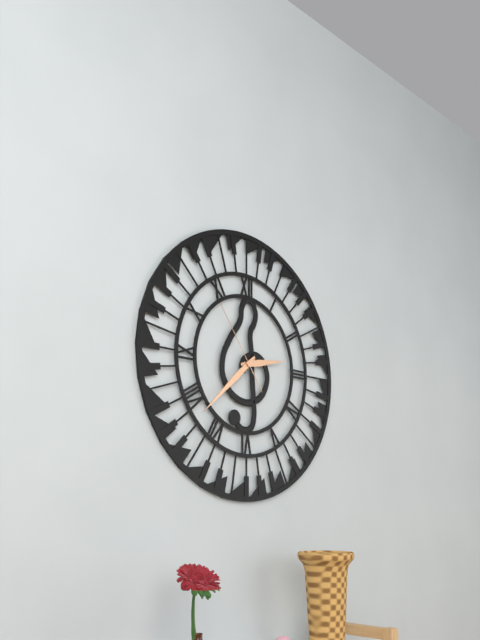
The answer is 2:38:54
